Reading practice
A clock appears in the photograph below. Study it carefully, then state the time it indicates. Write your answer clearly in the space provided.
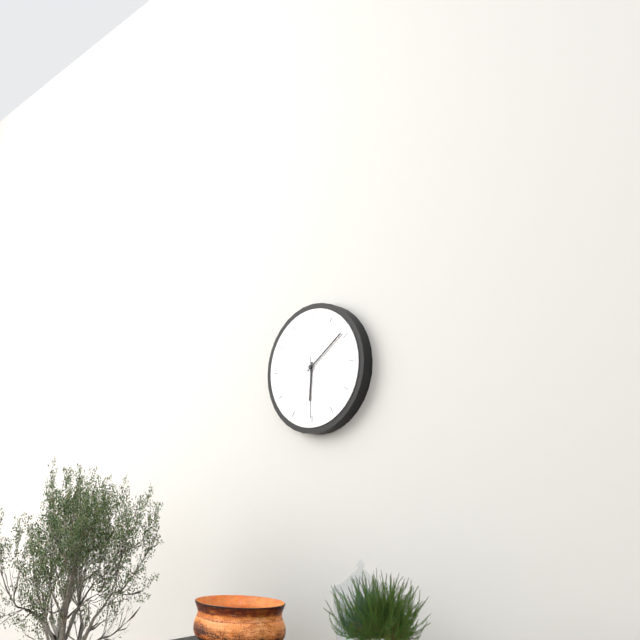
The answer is 6:09:30
